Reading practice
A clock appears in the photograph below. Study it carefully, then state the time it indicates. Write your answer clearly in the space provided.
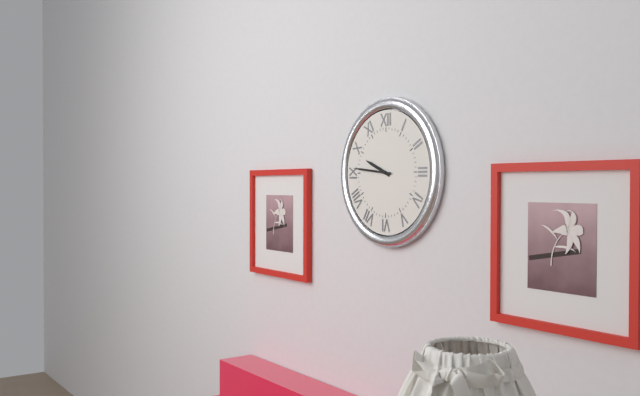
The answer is 9:46
